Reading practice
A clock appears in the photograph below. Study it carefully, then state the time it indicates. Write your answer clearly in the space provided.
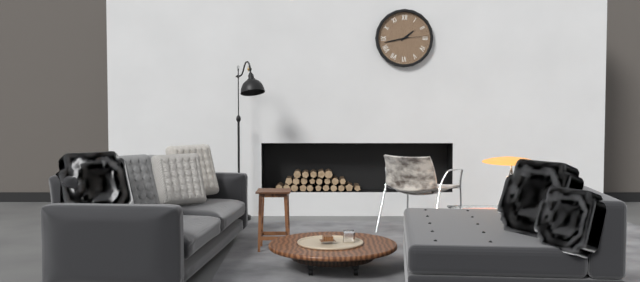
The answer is 1:43
